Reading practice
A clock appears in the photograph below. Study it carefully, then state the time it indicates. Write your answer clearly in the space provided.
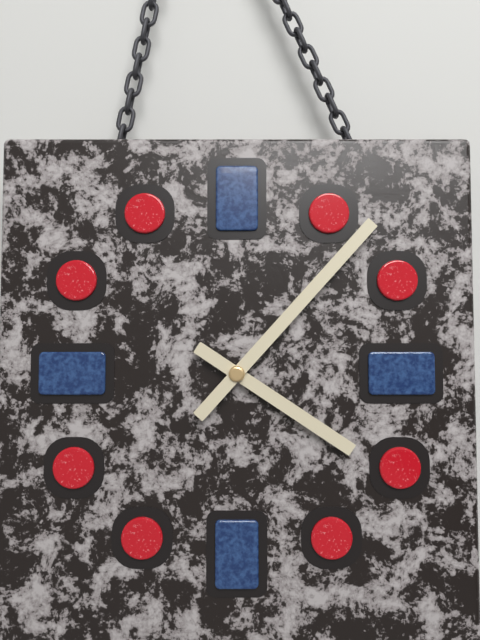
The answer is 4:07
